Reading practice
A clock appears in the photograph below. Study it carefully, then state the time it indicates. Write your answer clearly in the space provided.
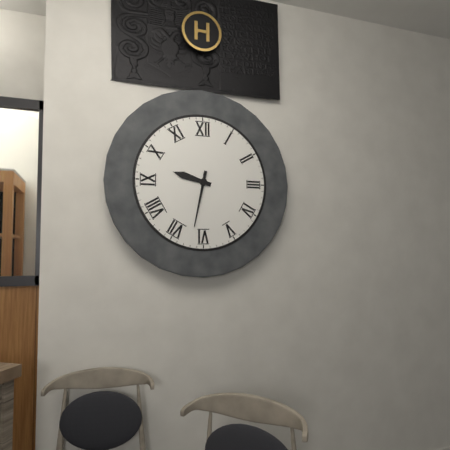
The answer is 9:32
